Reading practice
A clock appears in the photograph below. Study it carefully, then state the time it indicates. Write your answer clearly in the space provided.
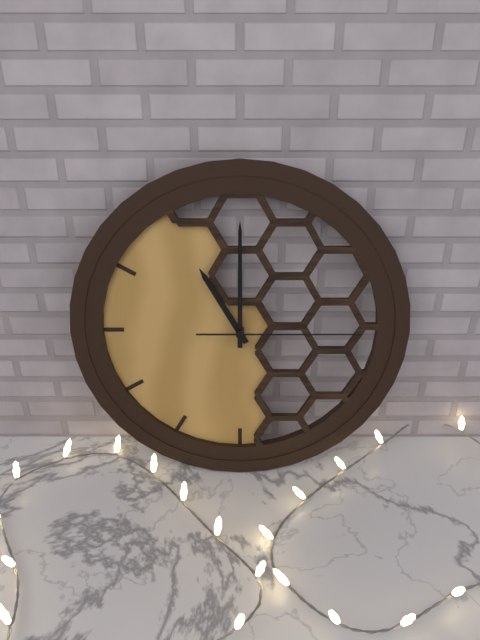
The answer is 11:00:15
